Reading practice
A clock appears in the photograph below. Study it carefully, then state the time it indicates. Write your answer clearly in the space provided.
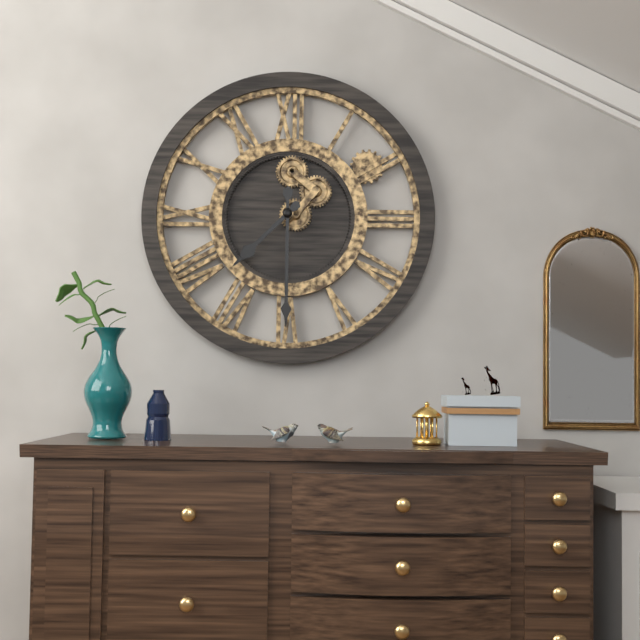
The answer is 7:30
